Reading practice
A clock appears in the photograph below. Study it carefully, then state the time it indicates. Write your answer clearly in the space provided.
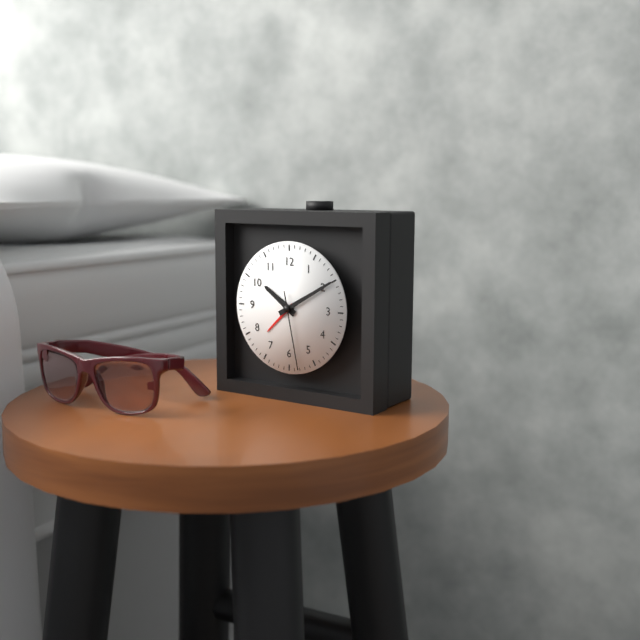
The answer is 10:10:28
